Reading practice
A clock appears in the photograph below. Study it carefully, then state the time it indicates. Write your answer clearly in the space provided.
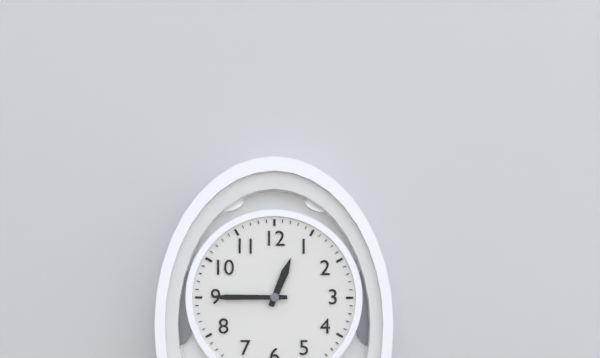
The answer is 12:45
